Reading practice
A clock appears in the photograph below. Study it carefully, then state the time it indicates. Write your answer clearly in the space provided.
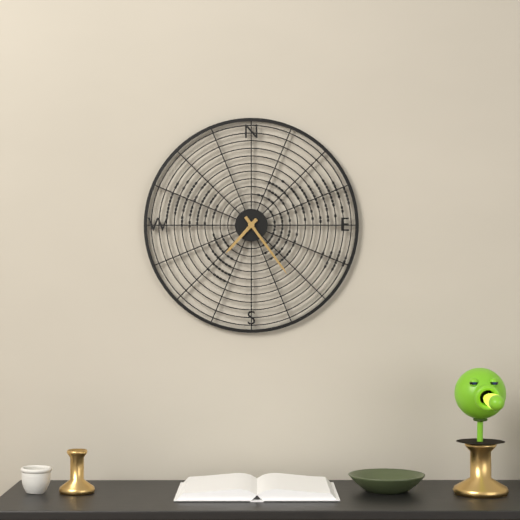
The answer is 7:24
